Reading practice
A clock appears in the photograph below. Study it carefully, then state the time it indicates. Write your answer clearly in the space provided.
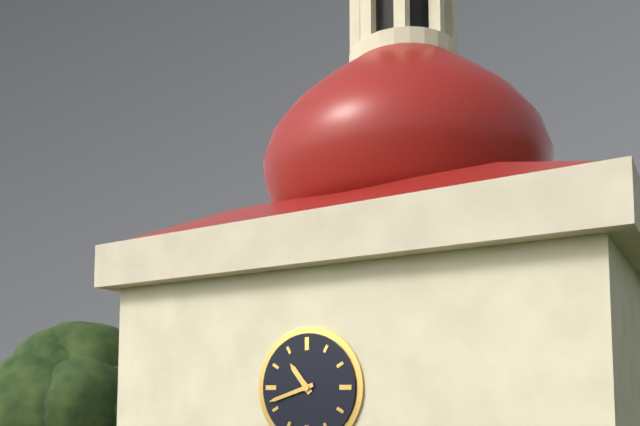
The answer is 10:42
